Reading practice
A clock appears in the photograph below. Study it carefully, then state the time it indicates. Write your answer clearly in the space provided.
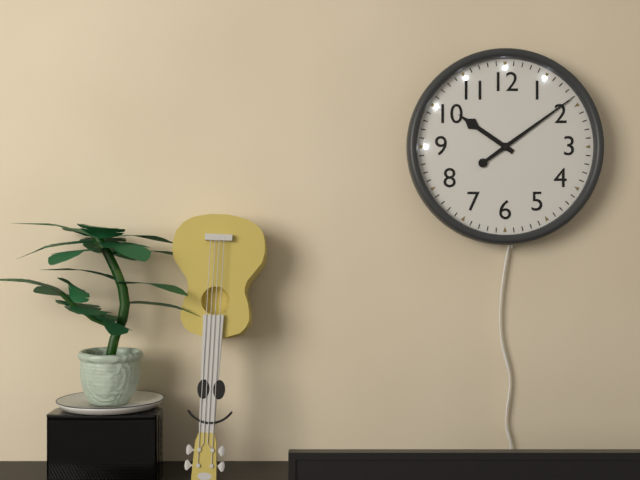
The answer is 10:09
